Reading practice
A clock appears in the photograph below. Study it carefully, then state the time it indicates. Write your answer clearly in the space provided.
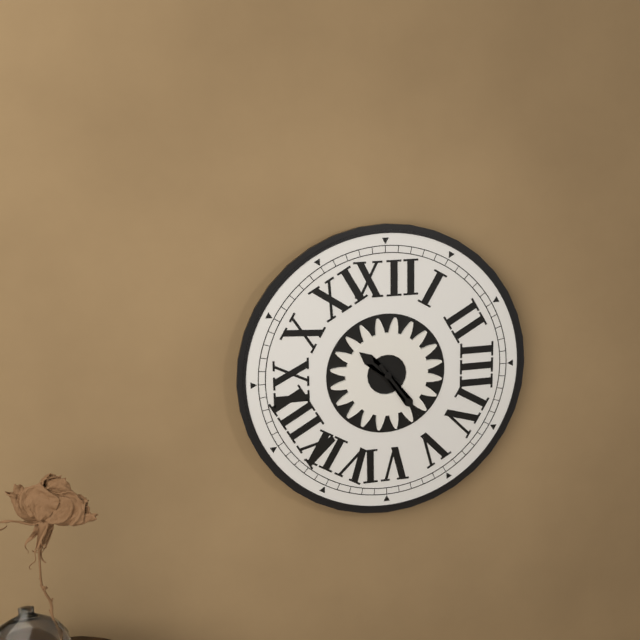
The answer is 10:24
